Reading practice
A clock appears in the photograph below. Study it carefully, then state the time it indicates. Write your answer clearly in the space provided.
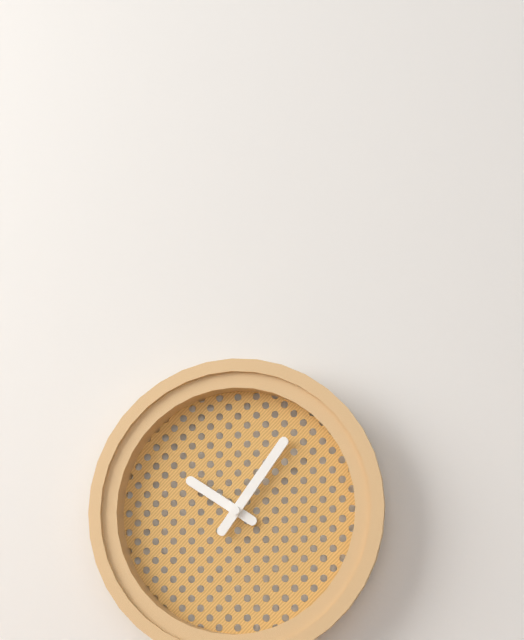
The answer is 10:06
